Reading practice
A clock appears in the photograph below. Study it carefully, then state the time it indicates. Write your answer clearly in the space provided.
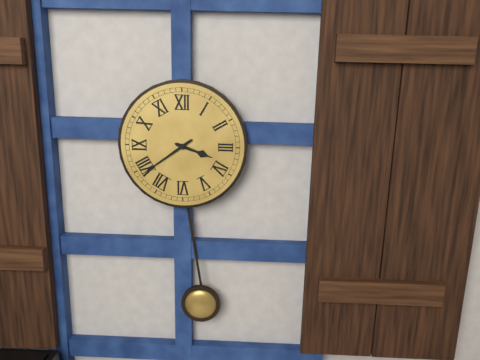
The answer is 3:39
